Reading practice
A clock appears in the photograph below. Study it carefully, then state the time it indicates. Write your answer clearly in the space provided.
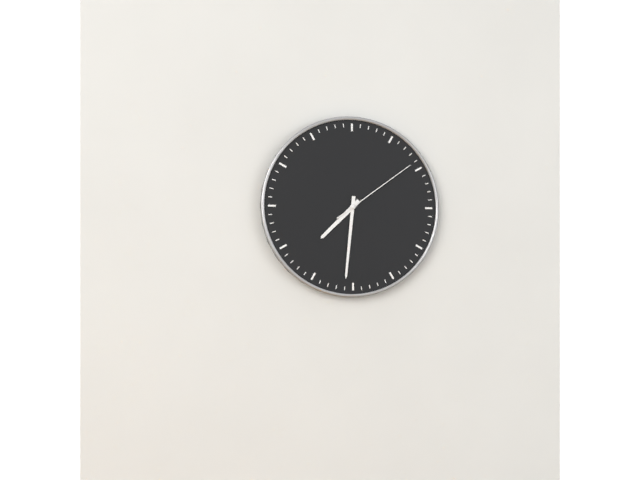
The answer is 7:31:09
